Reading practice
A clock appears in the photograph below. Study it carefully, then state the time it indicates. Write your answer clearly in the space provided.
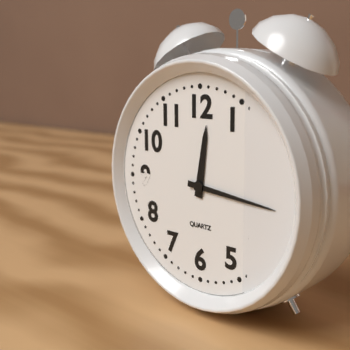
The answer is 12:16
